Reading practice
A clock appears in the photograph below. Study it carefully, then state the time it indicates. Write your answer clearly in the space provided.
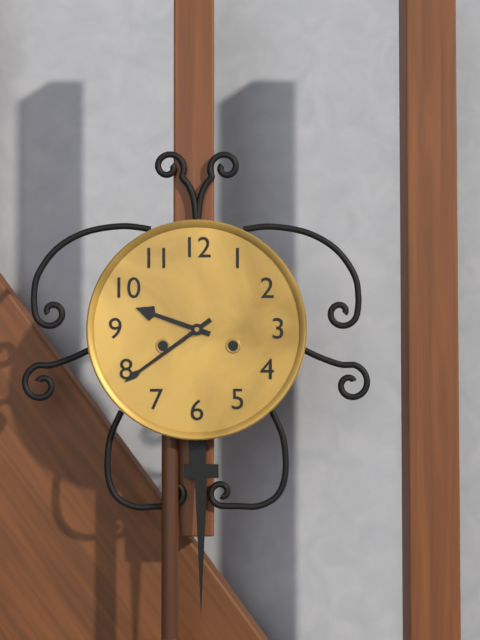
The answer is 9:39
